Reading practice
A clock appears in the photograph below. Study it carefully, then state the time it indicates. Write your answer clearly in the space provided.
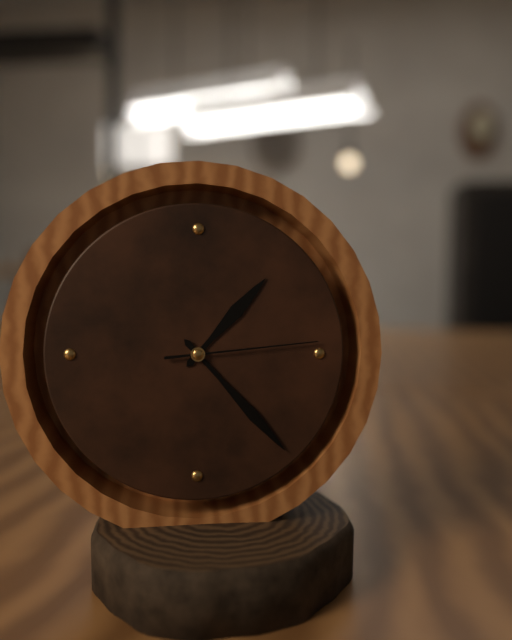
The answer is 1:23:14
